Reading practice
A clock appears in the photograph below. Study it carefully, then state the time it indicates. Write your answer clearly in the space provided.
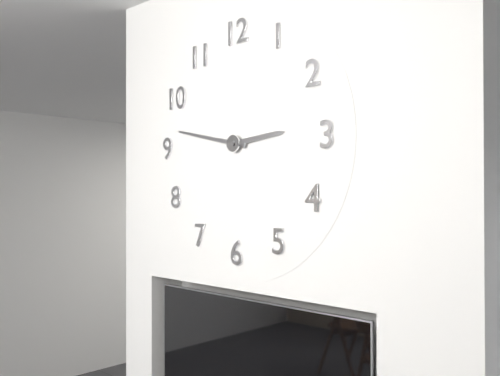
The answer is 2:47
